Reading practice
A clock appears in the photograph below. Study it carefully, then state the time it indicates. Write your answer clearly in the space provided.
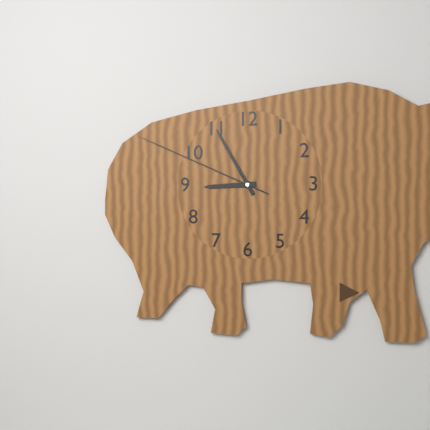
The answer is 8:55:49
